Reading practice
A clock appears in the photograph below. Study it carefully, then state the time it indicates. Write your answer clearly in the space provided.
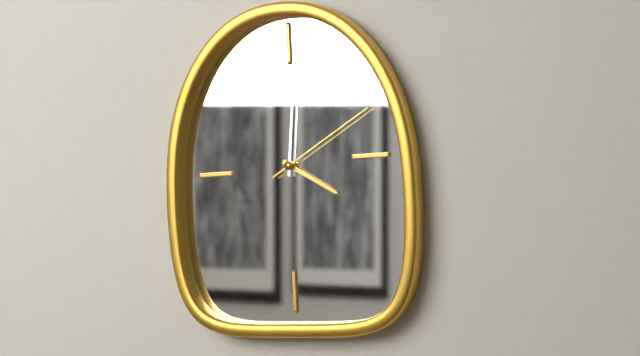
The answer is 4:01:10
